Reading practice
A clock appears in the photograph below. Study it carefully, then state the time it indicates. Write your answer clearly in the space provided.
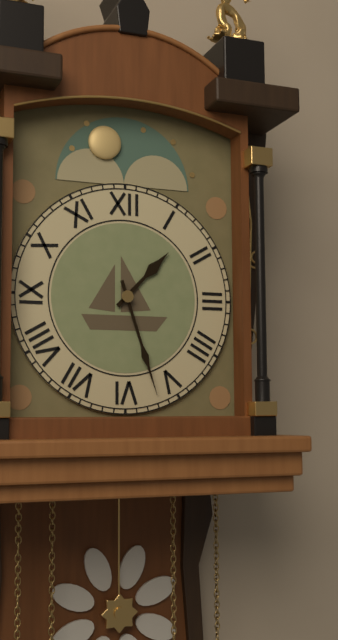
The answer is 1:27
